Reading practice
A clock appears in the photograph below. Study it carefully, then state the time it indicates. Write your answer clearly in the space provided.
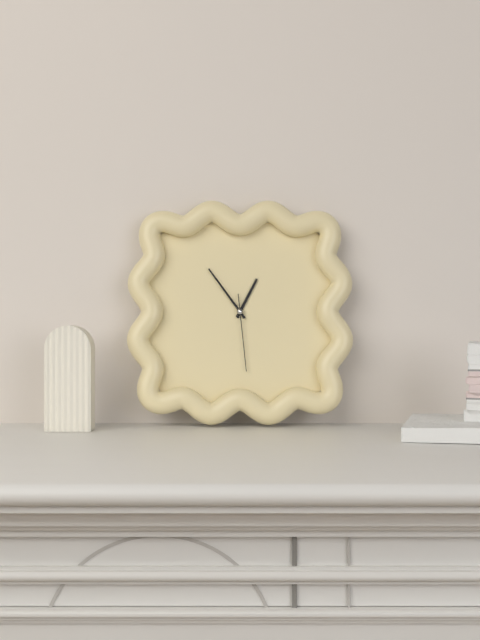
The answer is 12:54:29
